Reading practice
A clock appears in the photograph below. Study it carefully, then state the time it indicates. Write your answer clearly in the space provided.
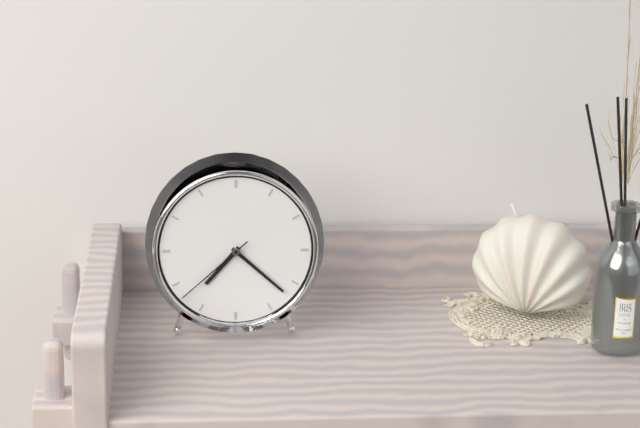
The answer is 7:22:38
